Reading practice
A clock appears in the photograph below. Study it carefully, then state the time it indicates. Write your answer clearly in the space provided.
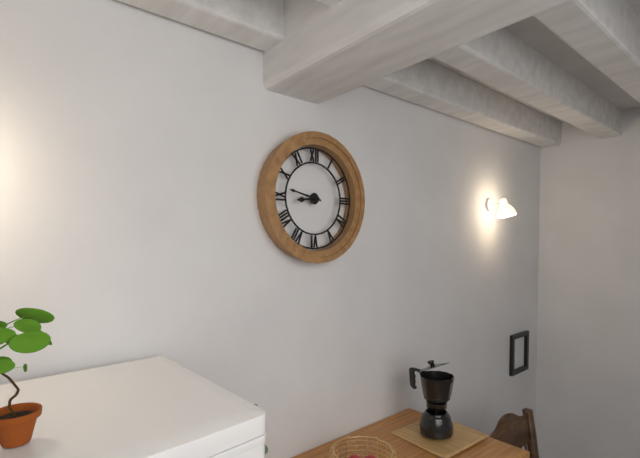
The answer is 8:47
